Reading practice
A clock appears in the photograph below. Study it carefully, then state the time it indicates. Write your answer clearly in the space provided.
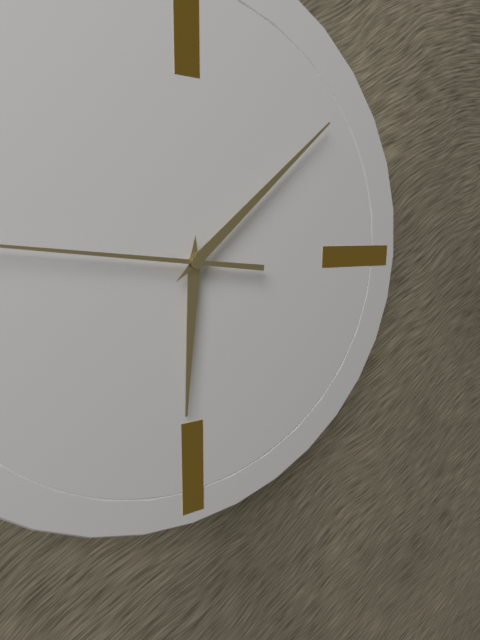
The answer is 6:08
